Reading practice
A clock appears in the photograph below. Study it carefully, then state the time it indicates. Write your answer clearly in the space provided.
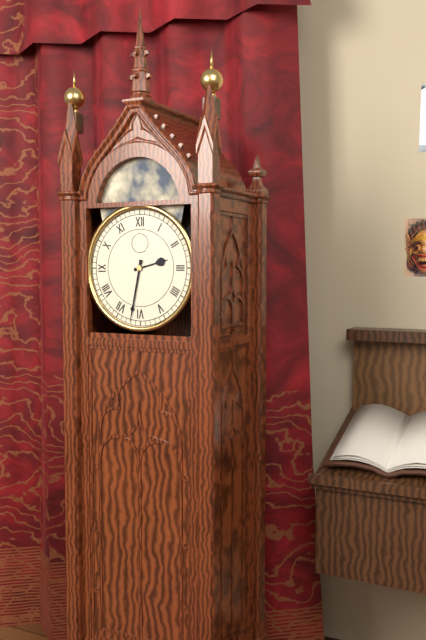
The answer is 2:32
